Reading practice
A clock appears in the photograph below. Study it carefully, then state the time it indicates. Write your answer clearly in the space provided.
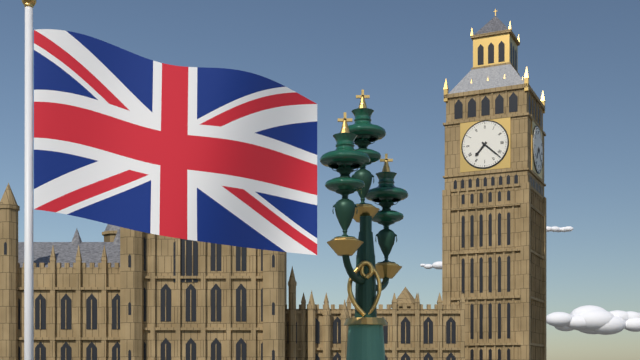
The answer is 7:22
